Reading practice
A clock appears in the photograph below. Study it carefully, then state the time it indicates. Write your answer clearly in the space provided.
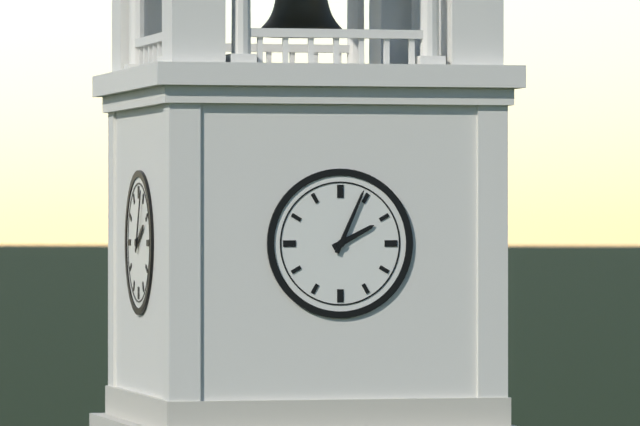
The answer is 2:04
